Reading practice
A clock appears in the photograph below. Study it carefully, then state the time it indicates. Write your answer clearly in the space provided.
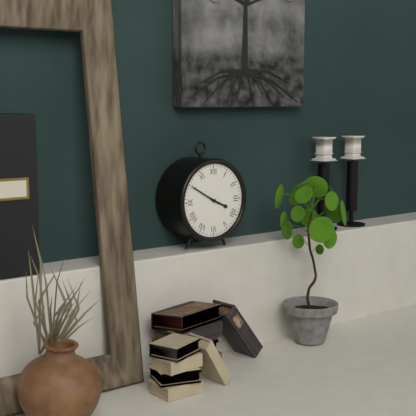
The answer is 3:50
